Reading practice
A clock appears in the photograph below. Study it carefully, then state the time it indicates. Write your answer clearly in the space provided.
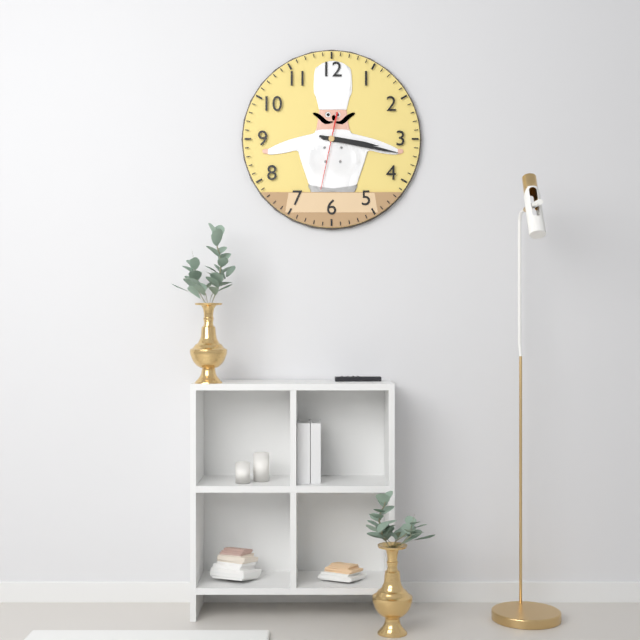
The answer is 3:17:32
